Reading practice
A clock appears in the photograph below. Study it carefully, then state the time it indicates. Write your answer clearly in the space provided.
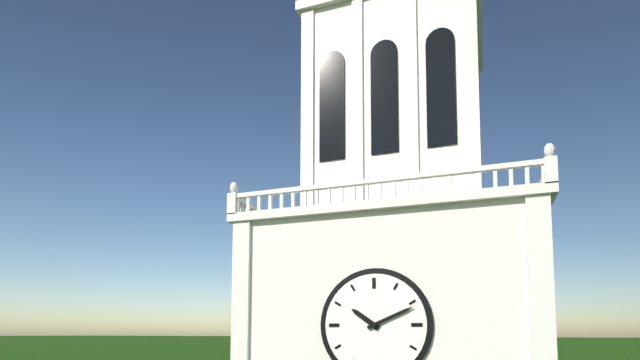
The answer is 10:11
